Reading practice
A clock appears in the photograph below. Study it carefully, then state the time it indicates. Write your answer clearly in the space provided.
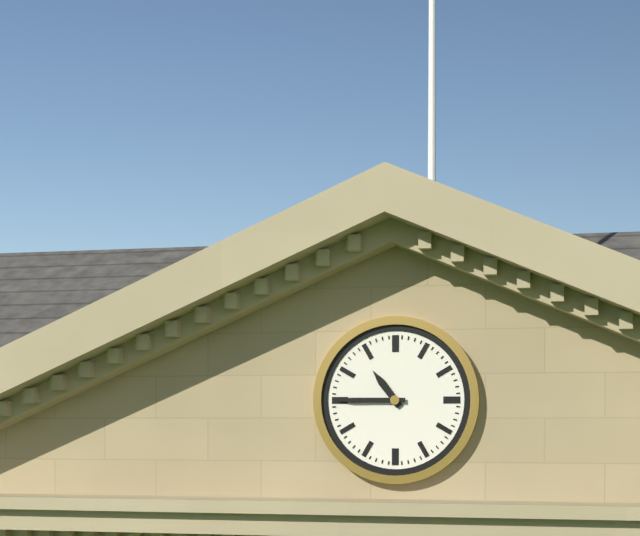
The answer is 10:45
